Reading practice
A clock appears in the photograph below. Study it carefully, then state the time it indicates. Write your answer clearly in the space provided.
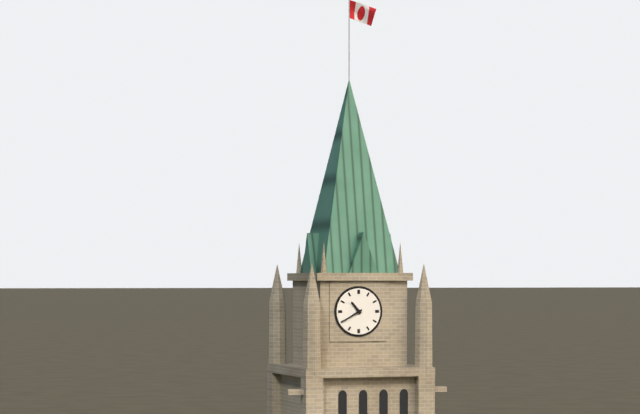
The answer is 10:40
